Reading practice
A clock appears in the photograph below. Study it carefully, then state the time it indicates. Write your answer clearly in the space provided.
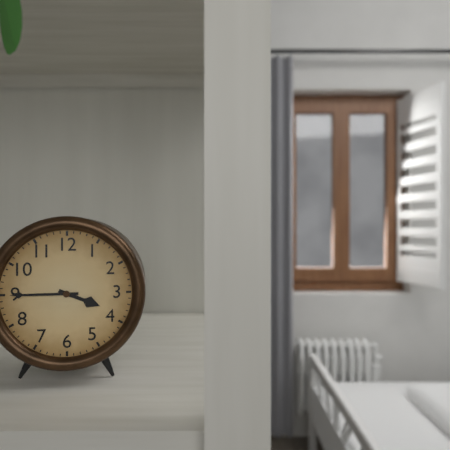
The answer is 3:45
